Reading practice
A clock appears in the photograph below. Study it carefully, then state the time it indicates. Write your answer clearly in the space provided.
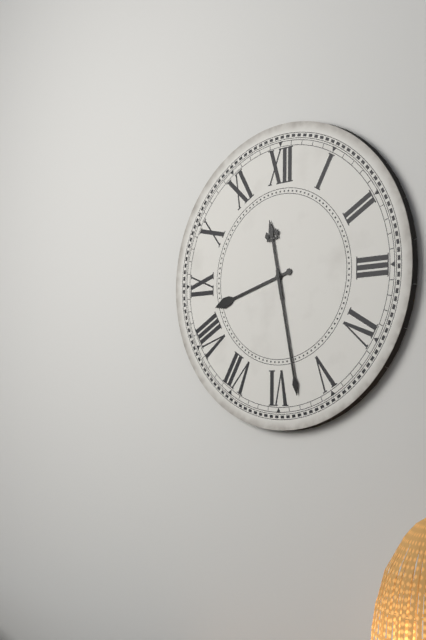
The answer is 8:28
